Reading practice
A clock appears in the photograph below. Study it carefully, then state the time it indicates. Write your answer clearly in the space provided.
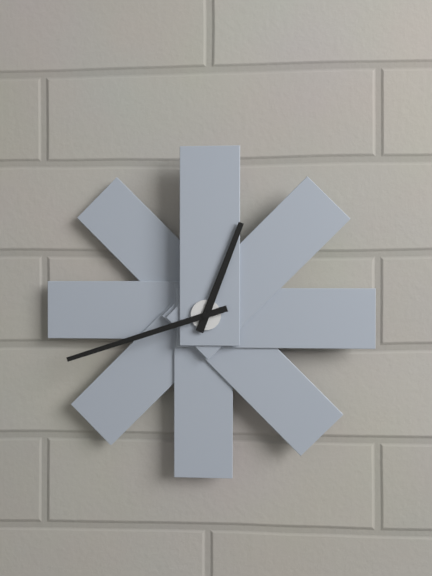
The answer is 12:42
